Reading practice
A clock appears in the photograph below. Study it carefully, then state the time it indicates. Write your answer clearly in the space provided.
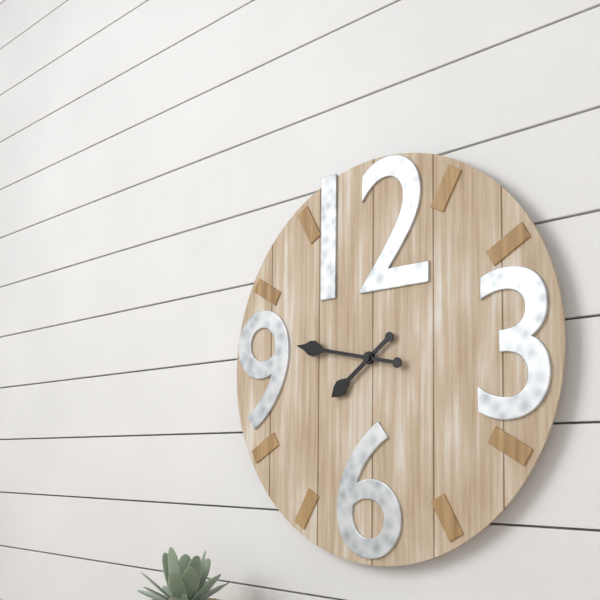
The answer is 7:47
